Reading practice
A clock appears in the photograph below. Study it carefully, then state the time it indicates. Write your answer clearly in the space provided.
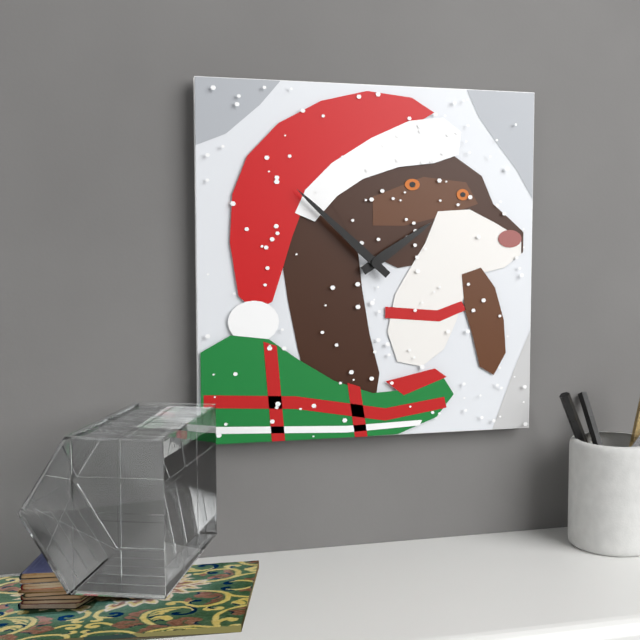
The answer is 1:52
